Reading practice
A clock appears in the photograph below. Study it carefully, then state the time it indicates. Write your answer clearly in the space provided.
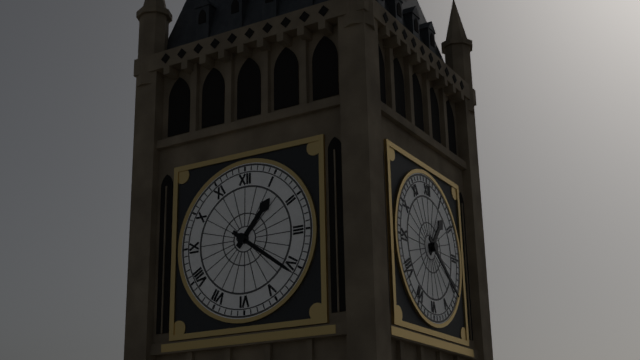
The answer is 1:21
